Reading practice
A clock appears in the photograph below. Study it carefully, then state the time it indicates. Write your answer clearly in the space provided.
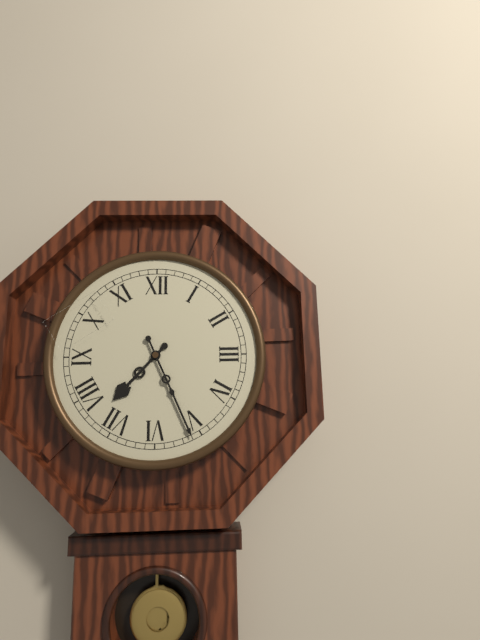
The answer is 7:26
